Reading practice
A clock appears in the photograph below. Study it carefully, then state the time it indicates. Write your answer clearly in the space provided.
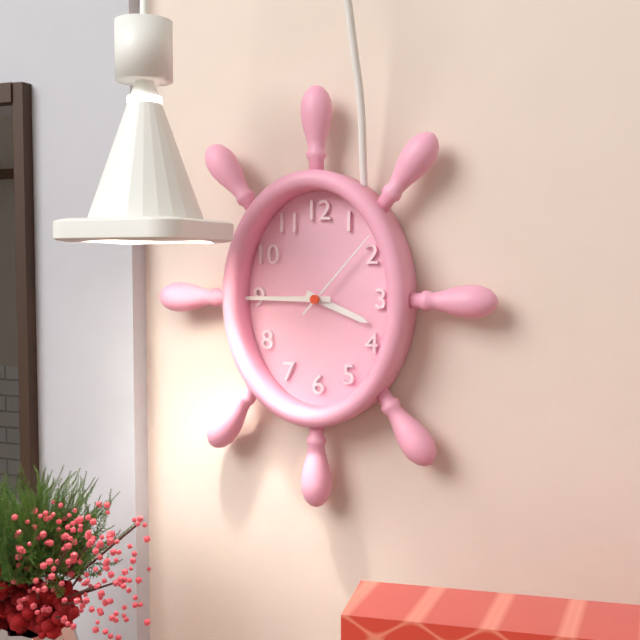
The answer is 3:45:07
